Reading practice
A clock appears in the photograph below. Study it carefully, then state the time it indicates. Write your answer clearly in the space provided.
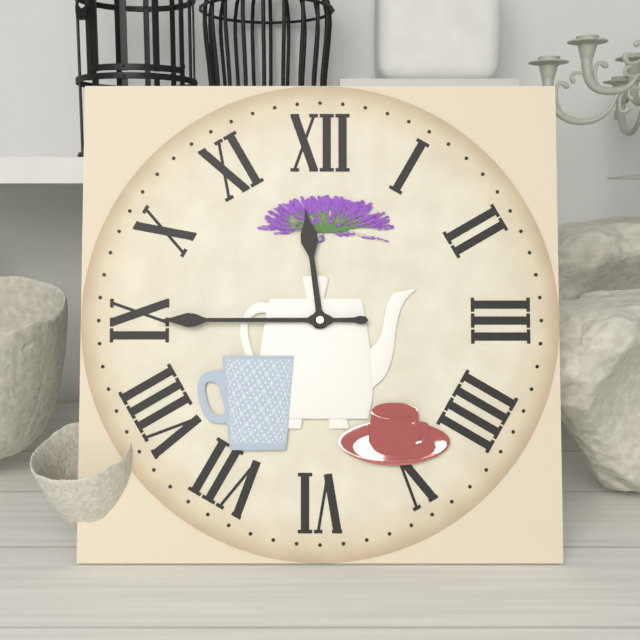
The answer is 11:45
